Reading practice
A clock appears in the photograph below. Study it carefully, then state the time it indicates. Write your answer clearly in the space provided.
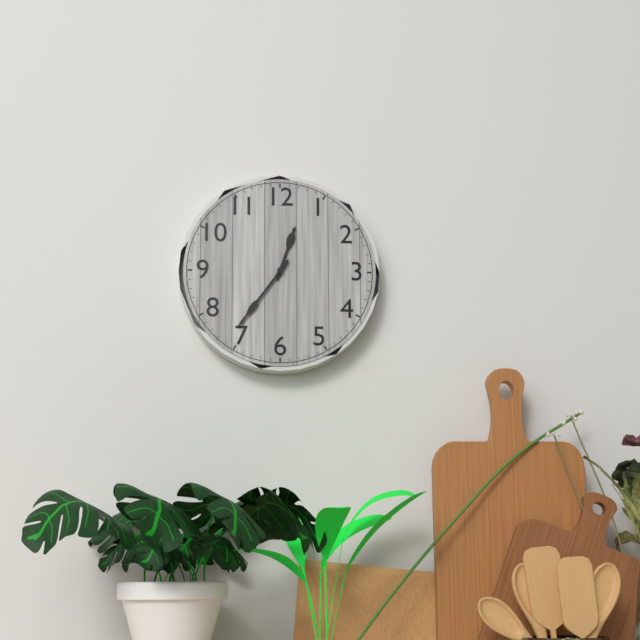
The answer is 12:36
